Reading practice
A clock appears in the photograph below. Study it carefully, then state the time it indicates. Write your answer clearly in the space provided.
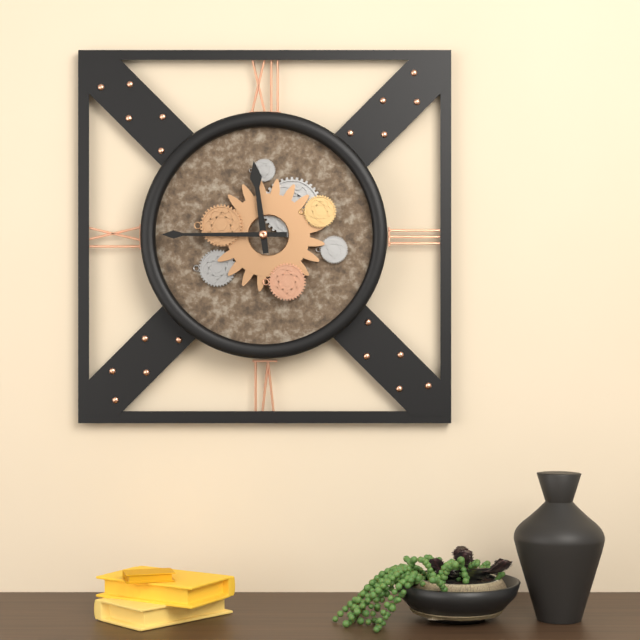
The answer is 11:45
